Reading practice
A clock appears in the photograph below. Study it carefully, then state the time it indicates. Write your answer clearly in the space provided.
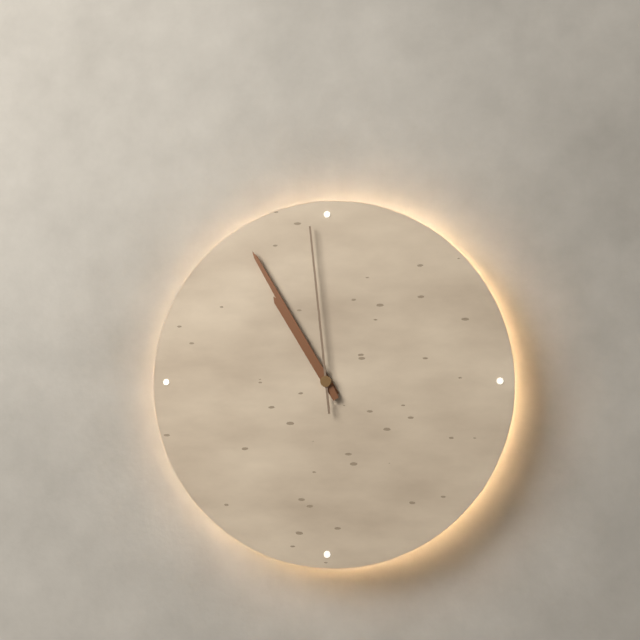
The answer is 10:55:59
